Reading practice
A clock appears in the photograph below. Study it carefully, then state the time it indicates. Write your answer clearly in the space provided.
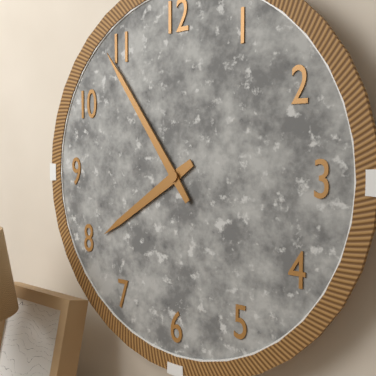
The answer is 7:54
